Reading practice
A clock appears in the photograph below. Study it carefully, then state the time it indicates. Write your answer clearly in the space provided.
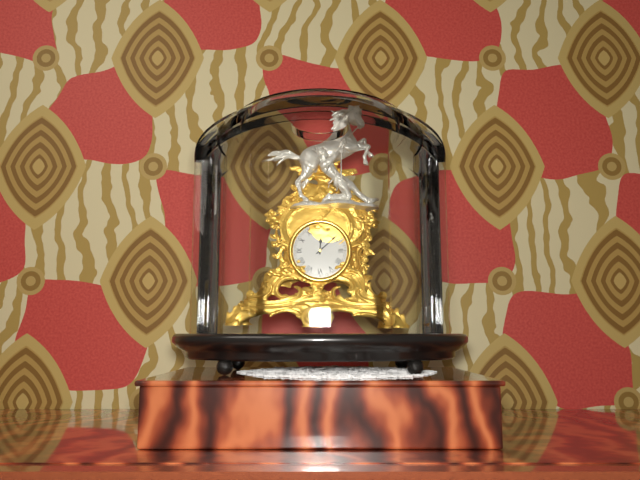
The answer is 12:08
